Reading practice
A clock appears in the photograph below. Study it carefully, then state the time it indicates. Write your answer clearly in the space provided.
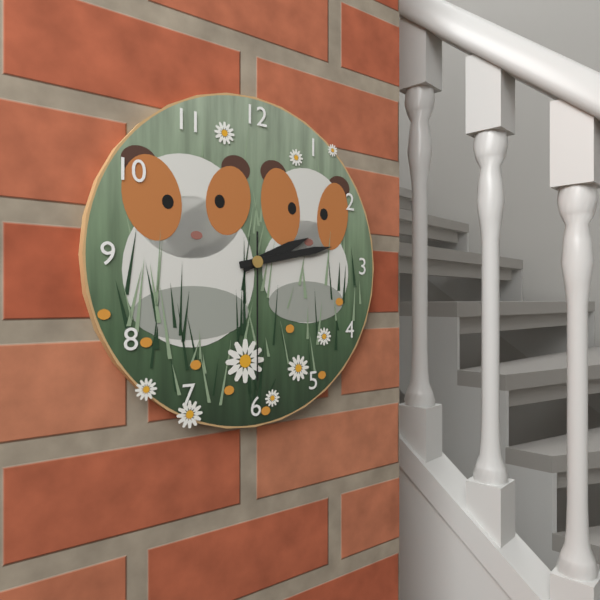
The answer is 2:13:30
